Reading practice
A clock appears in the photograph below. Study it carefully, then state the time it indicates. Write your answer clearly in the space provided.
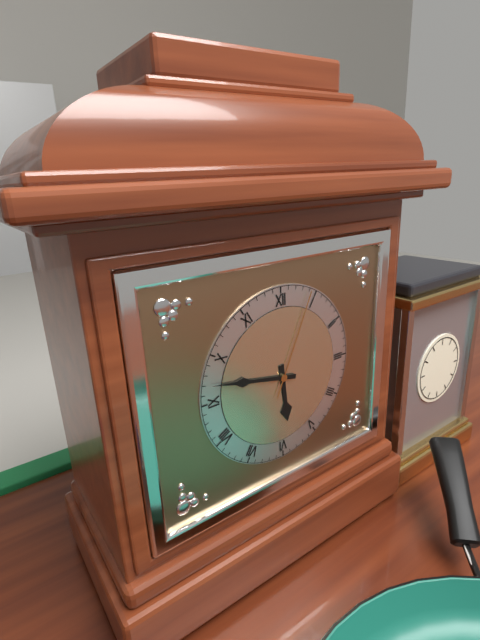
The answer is 5:47:04
